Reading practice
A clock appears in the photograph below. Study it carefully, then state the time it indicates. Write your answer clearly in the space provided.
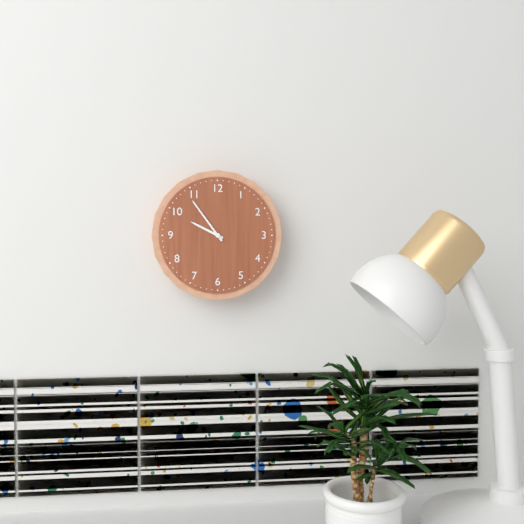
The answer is 9:54
